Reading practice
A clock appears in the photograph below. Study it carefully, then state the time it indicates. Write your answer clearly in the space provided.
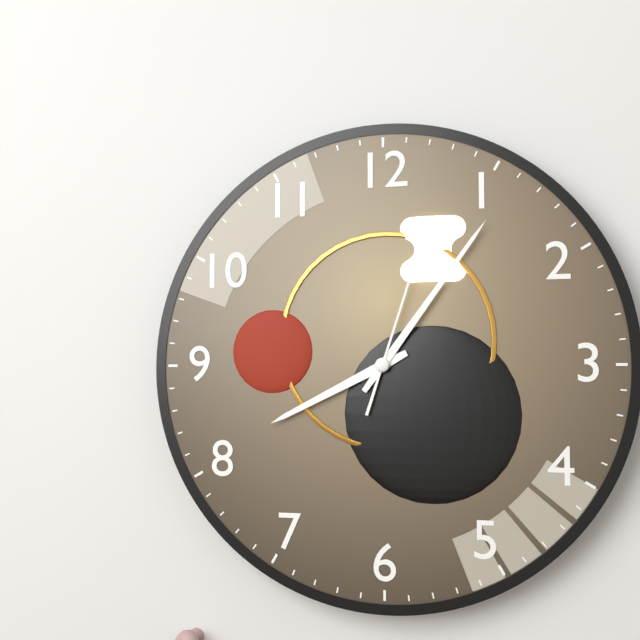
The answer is 8:06:03
